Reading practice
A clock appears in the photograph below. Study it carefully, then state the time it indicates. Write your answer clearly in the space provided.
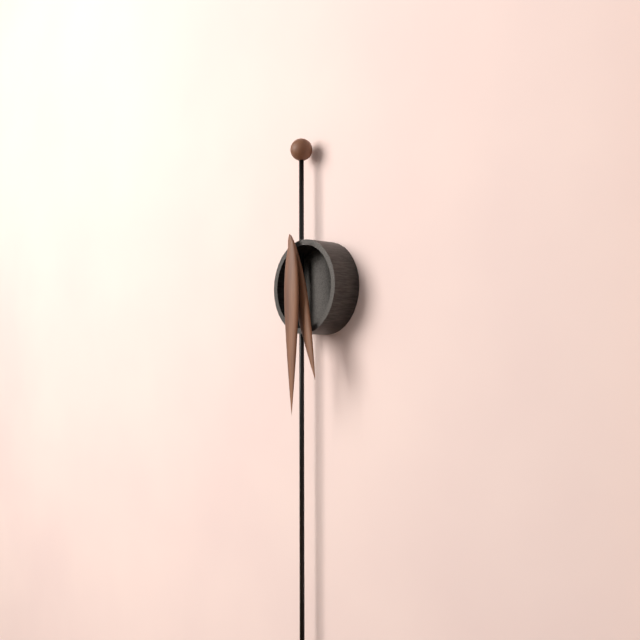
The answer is 5:30
